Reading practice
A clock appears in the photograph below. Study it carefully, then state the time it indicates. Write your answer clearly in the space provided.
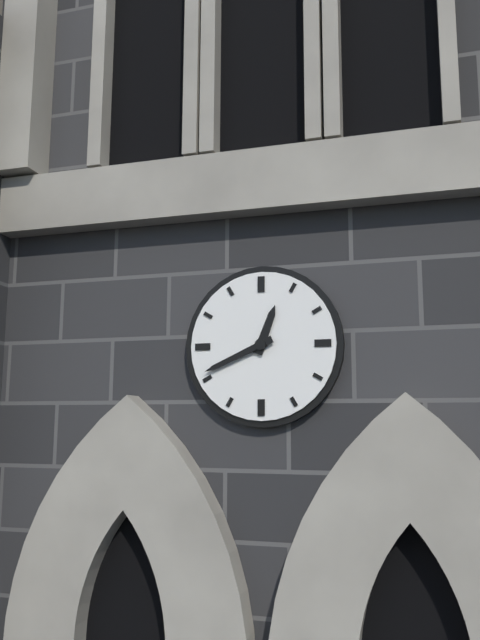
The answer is 12:41
